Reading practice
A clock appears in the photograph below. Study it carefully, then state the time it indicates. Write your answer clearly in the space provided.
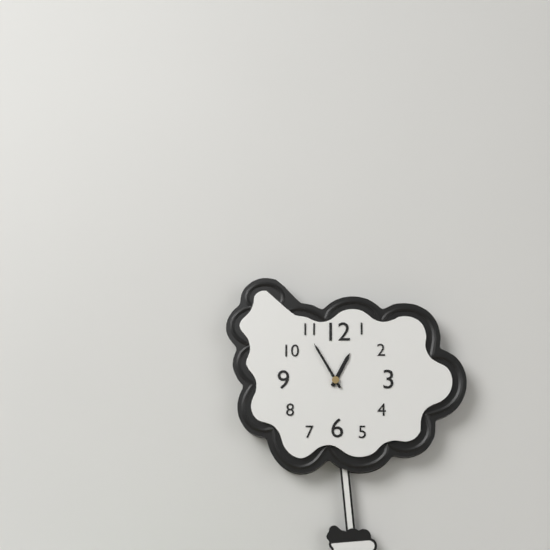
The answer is 12:55
